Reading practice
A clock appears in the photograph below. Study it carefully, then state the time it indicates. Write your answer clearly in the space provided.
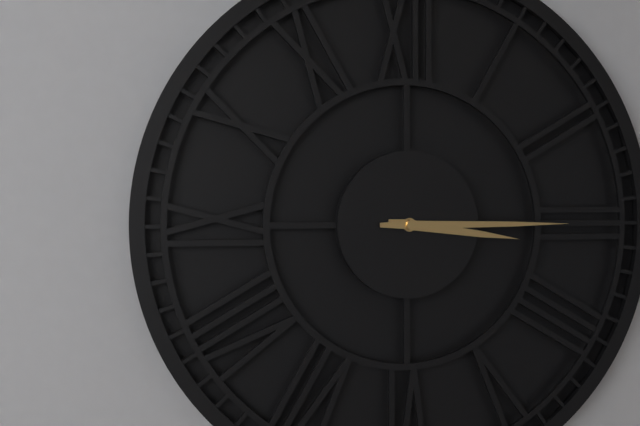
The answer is 3:15
